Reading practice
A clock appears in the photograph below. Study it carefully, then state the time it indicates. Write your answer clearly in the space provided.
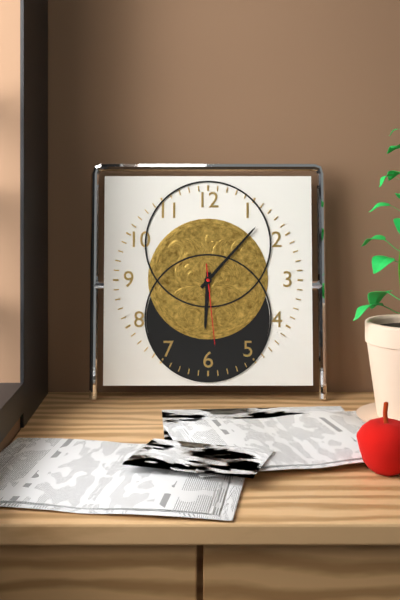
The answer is 6:07:29
